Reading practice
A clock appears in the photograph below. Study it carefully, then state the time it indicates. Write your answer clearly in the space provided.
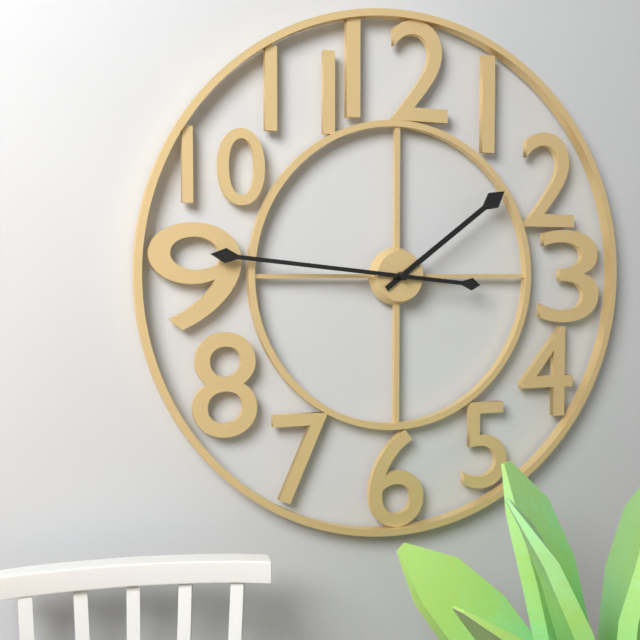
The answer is 1:46
